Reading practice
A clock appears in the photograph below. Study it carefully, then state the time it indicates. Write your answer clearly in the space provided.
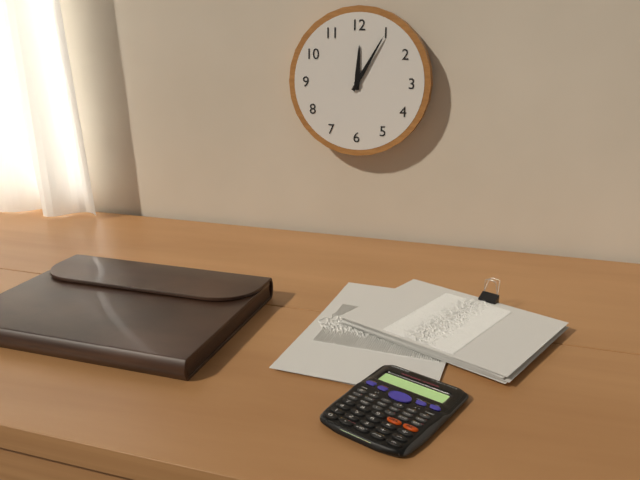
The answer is 12:05
